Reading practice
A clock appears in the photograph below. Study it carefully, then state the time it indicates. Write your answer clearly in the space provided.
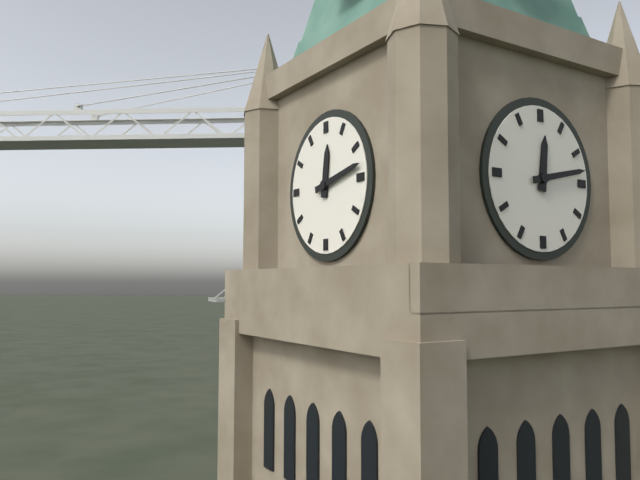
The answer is 12:13
